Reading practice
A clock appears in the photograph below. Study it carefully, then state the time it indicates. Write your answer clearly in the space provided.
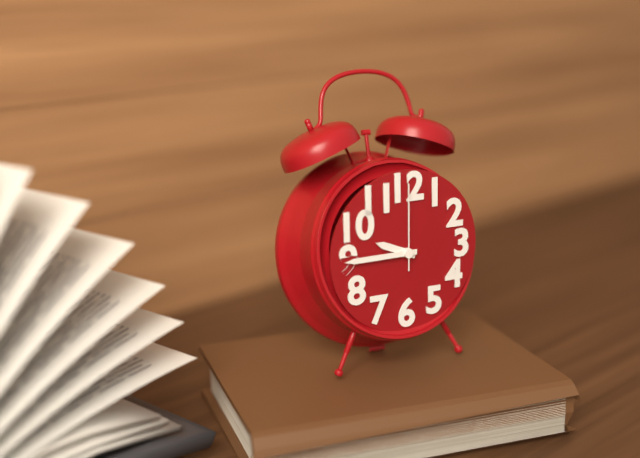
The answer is 9:45:00
